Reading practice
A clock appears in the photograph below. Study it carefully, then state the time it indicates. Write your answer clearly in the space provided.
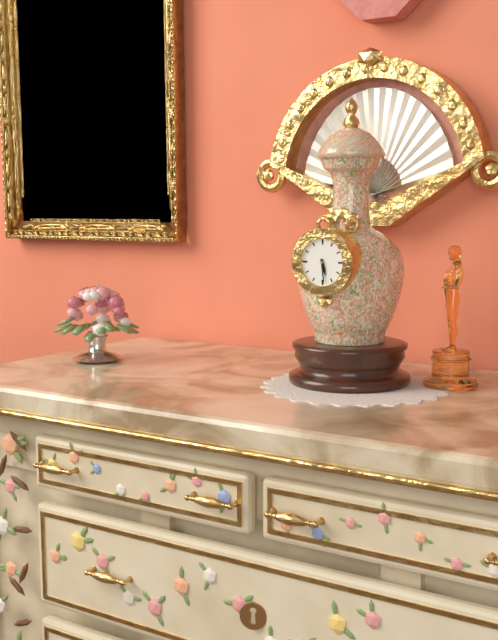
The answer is 5:29
